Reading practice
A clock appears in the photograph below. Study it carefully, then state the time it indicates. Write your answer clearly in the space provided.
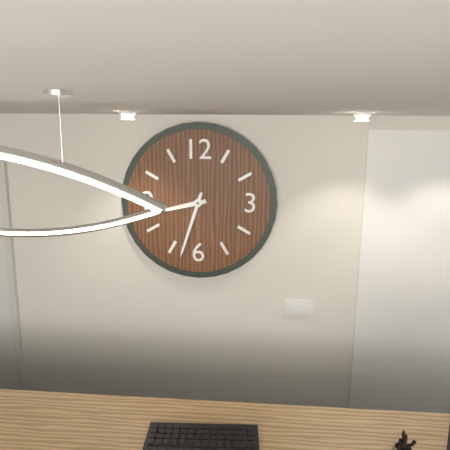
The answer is 8:33
